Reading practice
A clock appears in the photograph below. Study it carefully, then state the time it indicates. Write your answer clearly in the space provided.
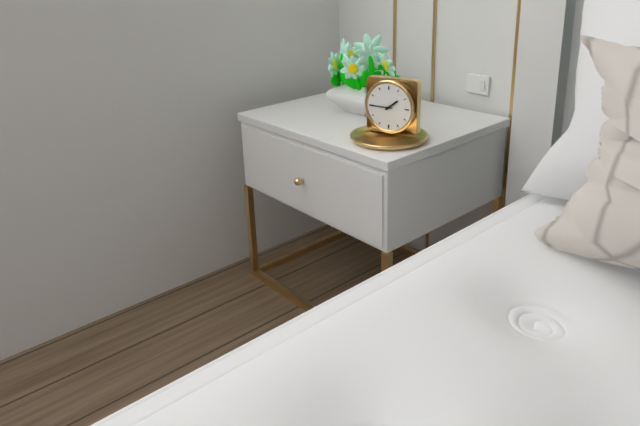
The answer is 1:45
